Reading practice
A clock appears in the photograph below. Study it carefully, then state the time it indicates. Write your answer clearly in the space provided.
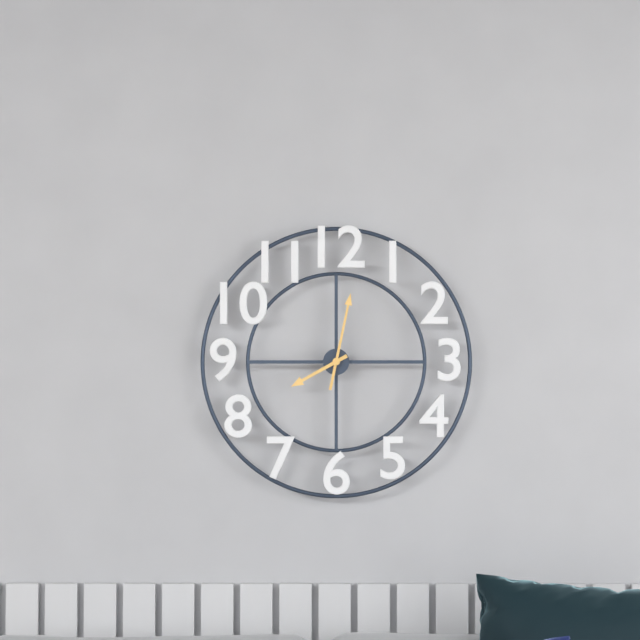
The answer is 8:02
